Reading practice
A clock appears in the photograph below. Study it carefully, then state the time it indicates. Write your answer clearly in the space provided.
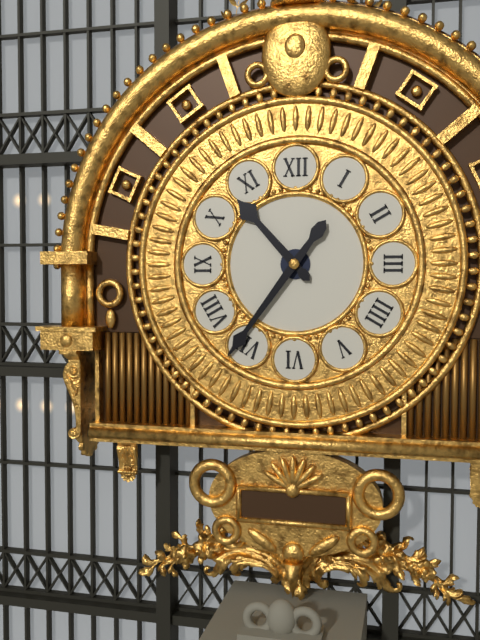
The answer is 10:36
